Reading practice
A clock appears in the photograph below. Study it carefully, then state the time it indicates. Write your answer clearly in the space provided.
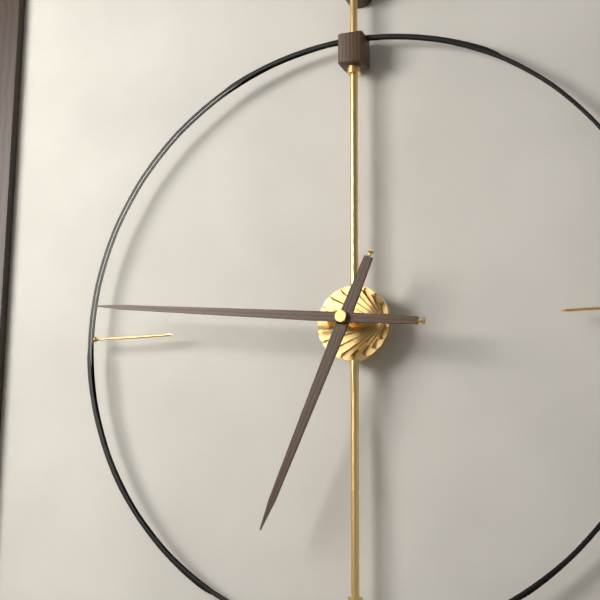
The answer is 6:46
